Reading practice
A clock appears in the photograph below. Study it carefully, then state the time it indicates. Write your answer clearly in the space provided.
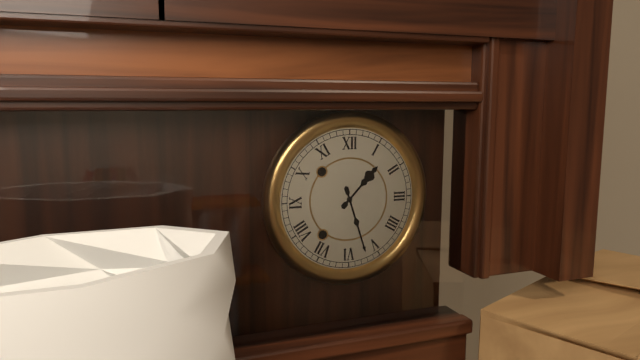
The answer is 1:27
